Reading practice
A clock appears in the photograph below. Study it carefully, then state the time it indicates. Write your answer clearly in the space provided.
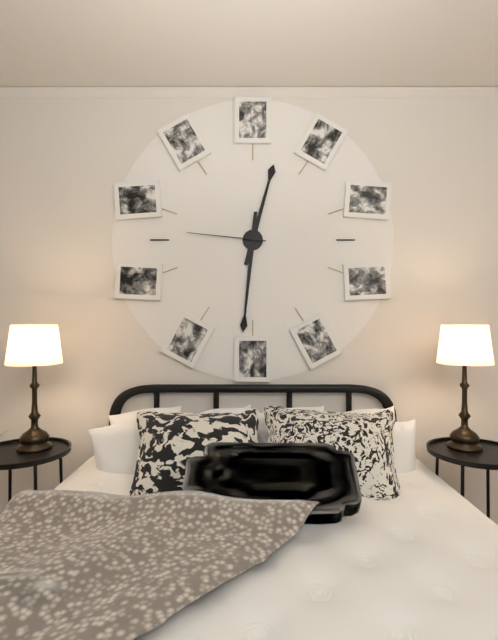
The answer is 12:31:46
